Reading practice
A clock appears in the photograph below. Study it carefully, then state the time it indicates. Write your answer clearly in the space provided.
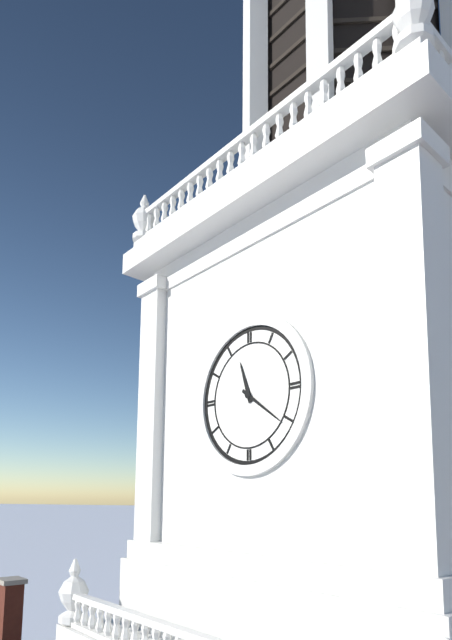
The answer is 11:21
